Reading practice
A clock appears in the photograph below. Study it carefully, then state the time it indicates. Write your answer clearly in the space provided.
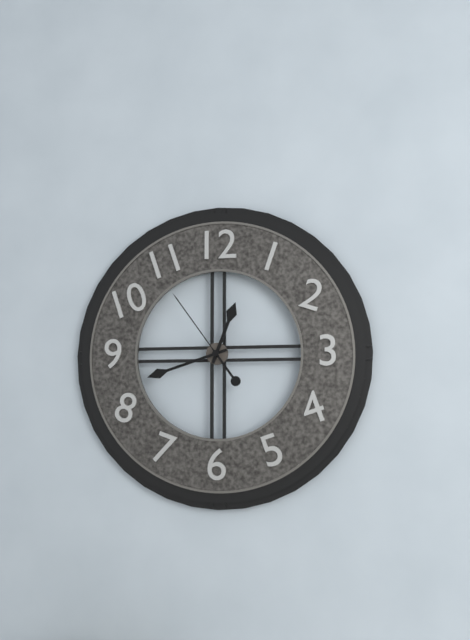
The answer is 12:42:54
